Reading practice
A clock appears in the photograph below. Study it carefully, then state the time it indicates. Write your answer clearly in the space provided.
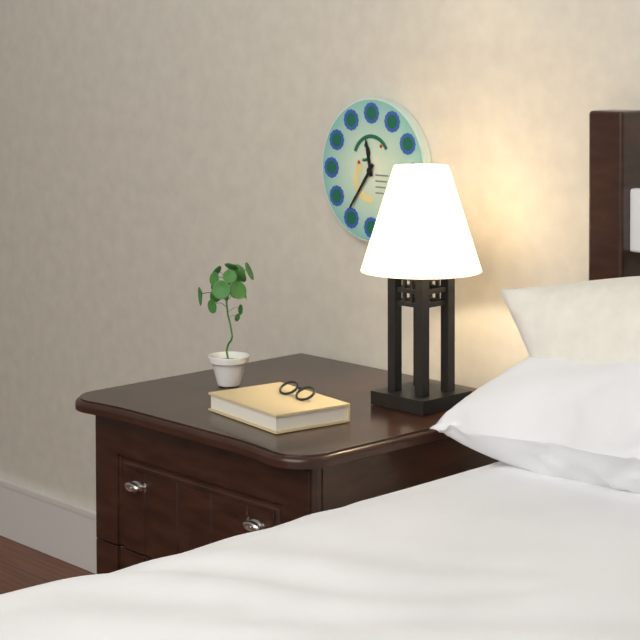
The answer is 11:36
